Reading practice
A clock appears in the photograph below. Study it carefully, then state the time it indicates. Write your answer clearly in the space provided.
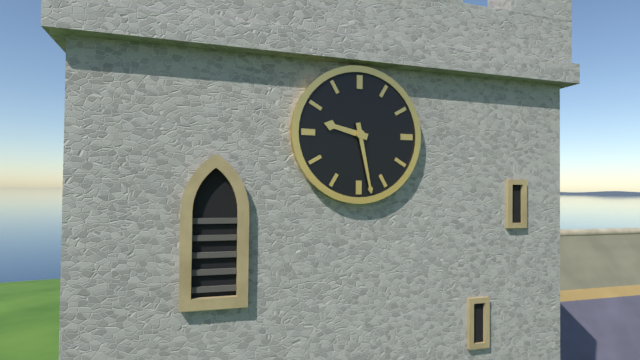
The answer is 9:28
